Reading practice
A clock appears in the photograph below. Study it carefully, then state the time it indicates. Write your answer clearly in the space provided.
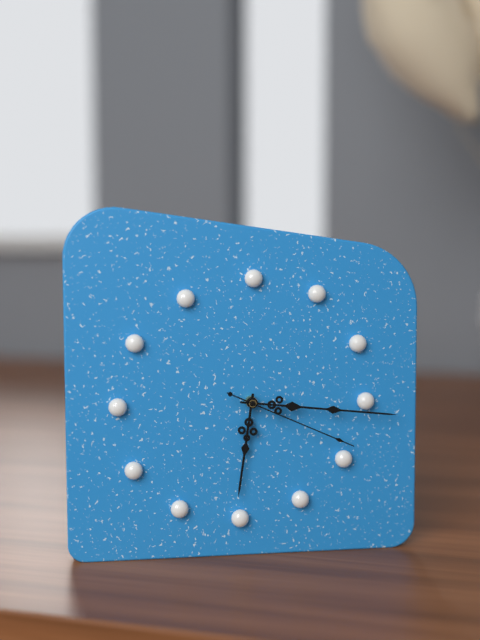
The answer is 6:16:19
